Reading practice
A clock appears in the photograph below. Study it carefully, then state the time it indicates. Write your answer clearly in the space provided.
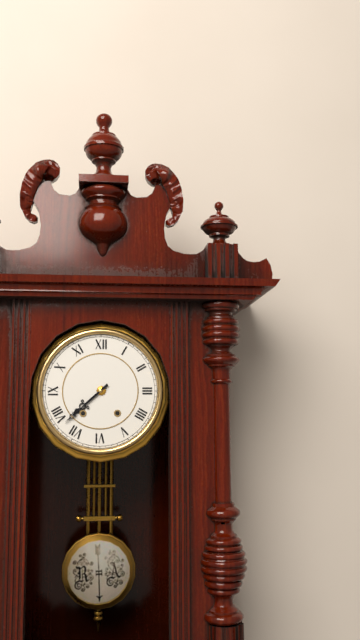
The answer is 7:38
